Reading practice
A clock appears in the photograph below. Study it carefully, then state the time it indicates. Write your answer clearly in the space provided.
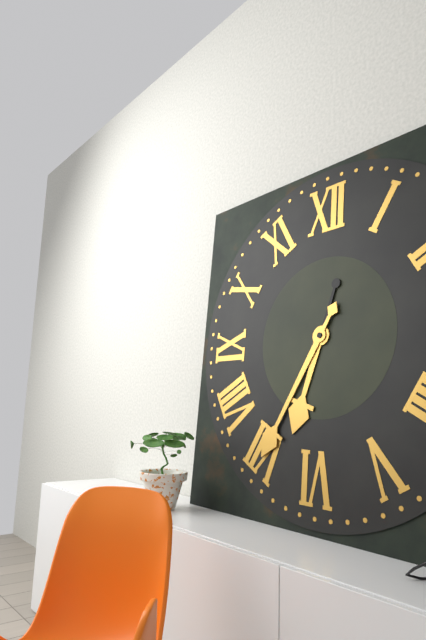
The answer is 6:35
